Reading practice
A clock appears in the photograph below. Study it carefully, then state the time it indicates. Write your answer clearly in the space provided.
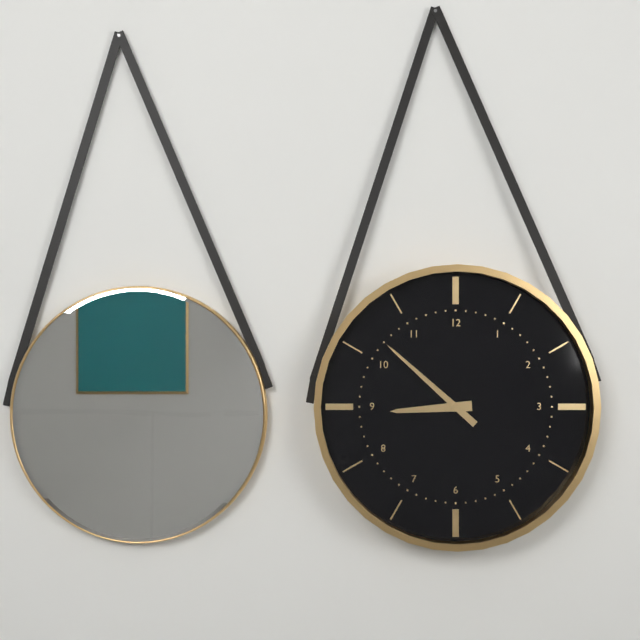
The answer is 8:52
